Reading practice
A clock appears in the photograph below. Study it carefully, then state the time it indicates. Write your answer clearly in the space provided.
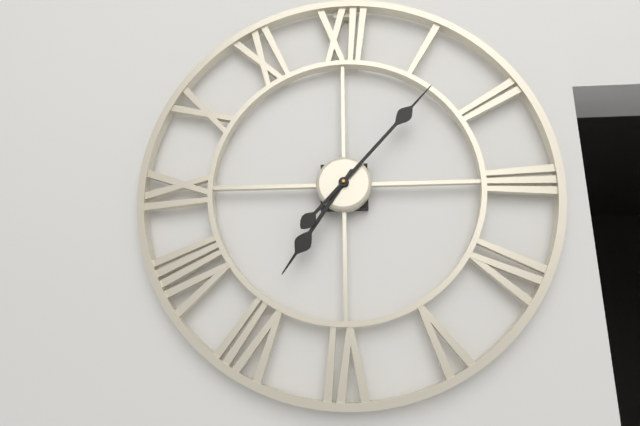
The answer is 7:07
